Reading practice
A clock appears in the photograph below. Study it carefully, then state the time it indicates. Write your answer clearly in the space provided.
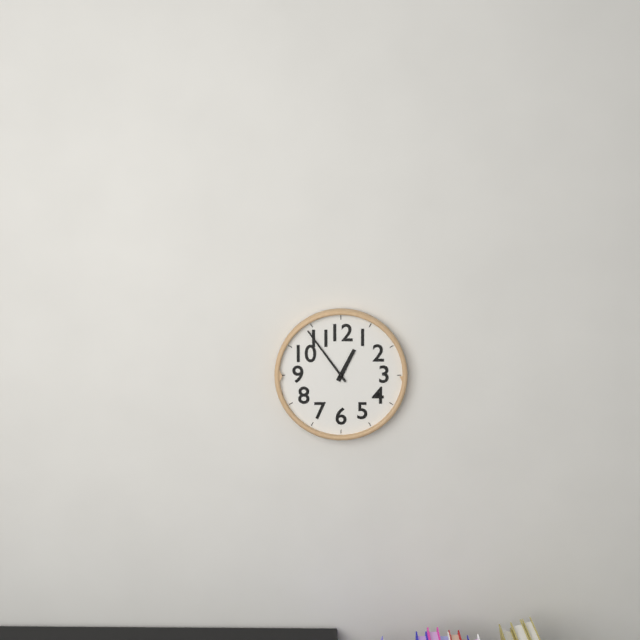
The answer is 12:54
